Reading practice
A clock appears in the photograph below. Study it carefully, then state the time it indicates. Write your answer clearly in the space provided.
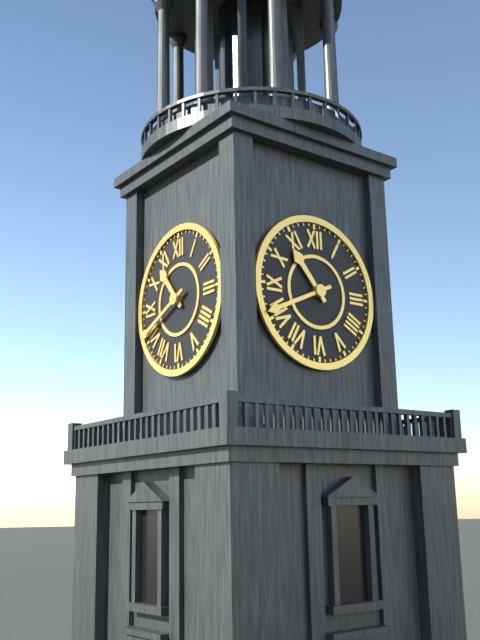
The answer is 10:41
